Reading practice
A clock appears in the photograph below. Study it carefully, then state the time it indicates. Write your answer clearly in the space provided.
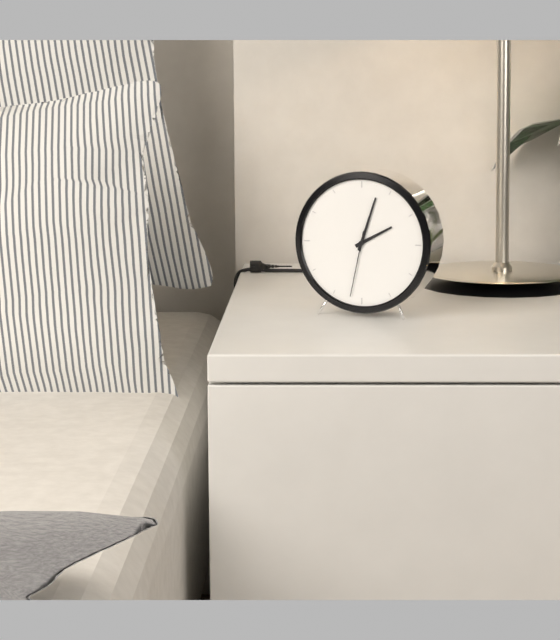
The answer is 2:03:32
